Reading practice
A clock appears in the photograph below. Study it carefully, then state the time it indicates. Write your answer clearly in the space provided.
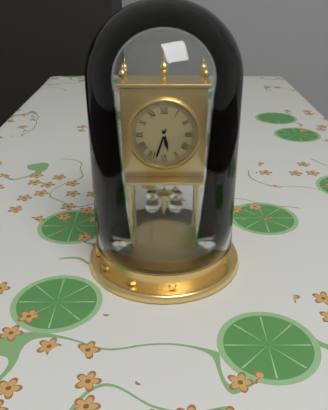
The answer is 5:33
